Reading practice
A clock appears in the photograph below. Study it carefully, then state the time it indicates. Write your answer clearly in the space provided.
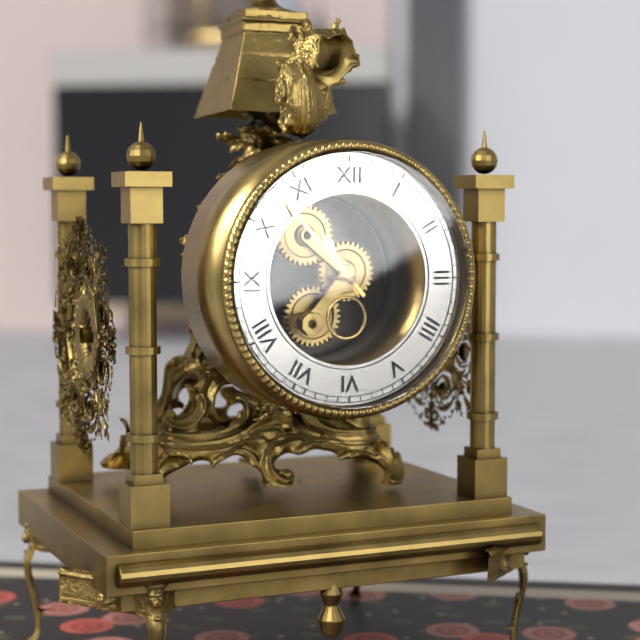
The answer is 10:53
